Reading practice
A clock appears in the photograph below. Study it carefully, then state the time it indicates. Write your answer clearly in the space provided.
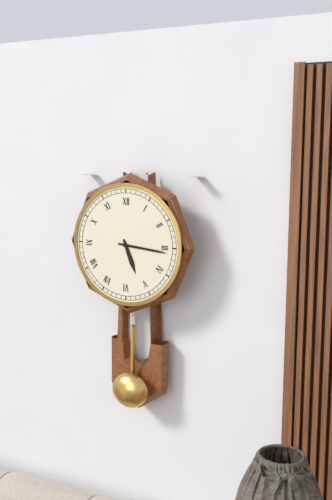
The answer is 5:16
